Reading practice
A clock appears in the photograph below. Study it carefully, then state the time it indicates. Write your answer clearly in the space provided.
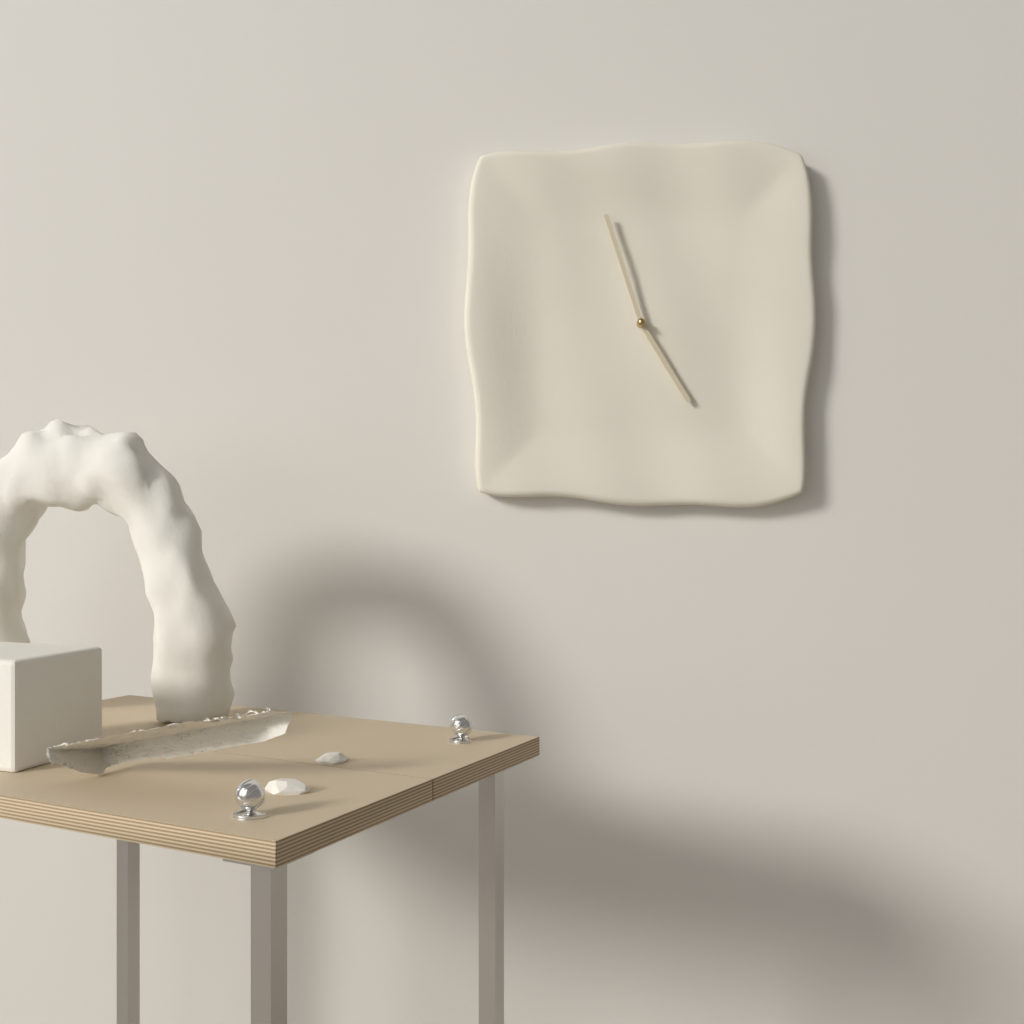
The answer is 4:57
